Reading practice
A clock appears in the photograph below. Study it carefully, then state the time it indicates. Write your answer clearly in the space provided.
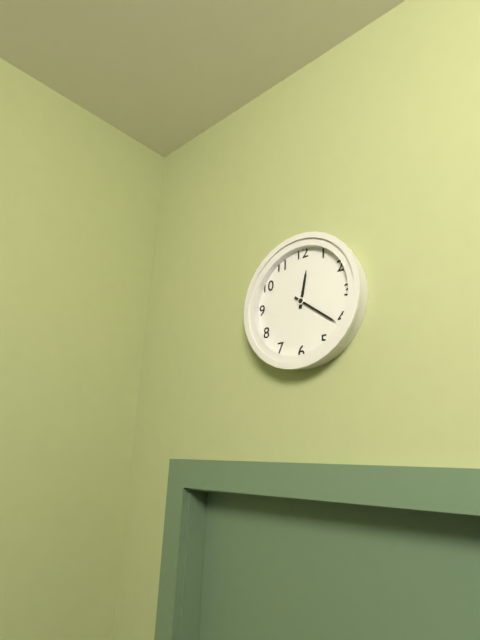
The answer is 12:21
